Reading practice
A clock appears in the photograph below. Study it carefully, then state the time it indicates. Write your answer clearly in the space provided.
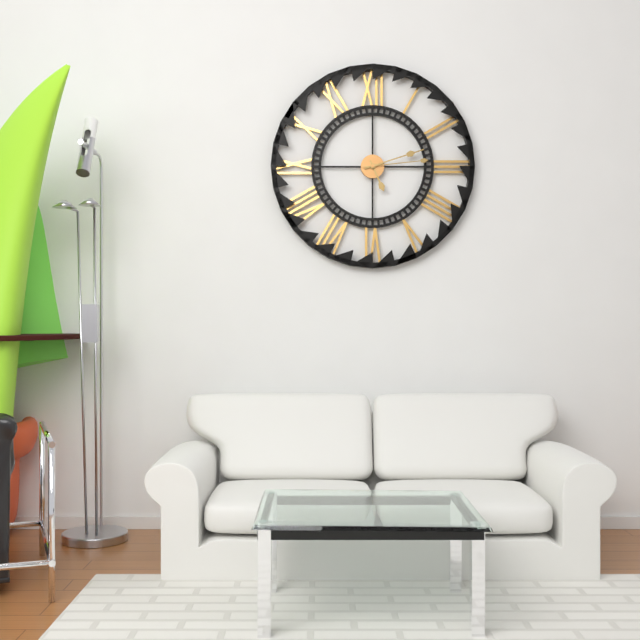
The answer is 5:12:14
